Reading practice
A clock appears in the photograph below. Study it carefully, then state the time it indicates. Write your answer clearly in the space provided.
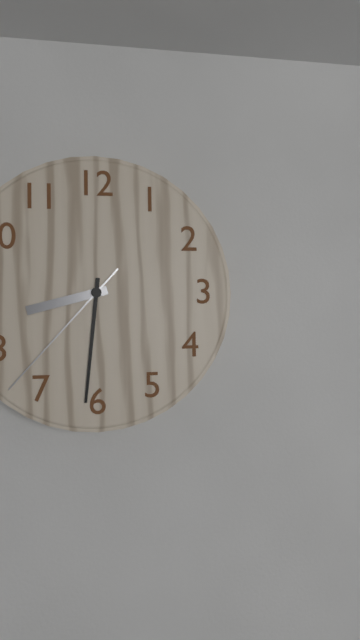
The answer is 8:31:37
